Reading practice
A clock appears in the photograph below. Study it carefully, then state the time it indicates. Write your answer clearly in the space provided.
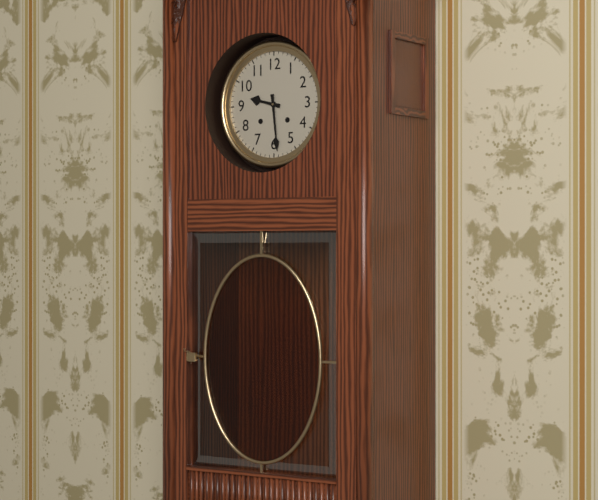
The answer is 9:29
